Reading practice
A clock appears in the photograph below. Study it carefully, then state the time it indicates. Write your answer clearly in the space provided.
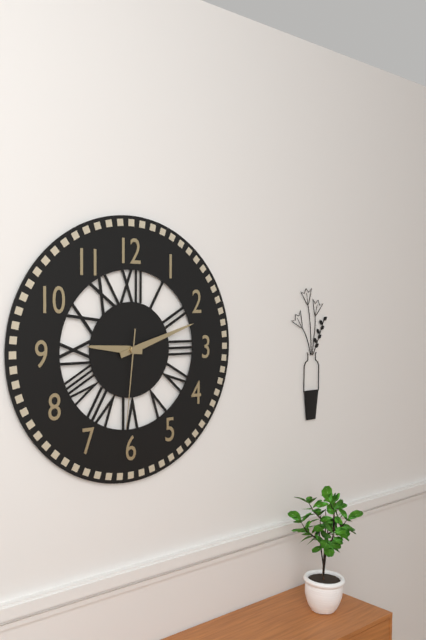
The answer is 9:12:31
